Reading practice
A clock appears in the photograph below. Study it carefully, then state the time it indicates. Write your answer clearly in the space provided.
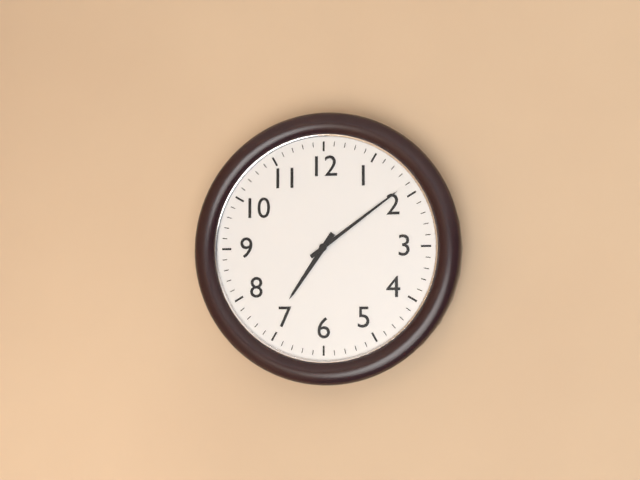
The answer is 7:09
